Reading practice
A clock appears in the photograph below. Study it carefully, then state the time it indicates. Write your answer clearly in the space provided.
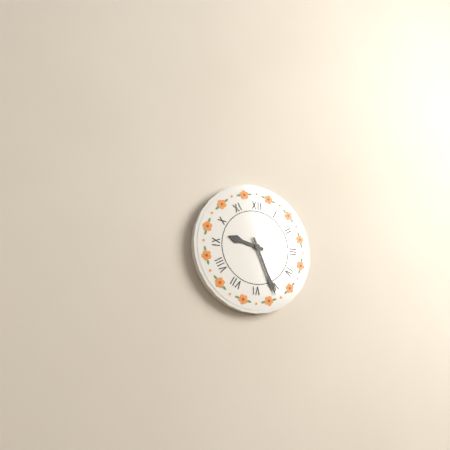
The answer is 9:26
